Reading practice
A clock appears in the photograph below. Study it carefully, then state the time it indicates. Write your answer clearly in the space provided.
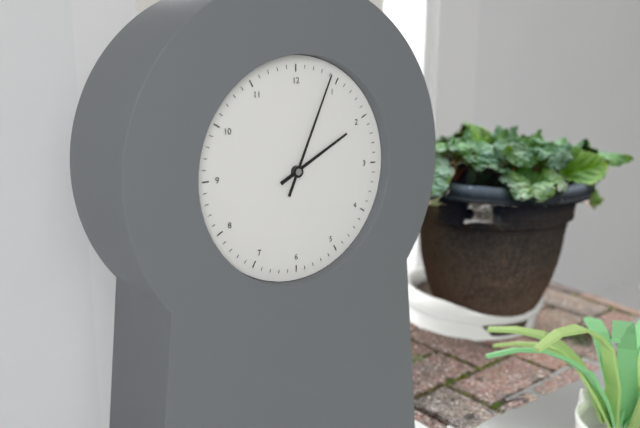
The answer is 2:04
